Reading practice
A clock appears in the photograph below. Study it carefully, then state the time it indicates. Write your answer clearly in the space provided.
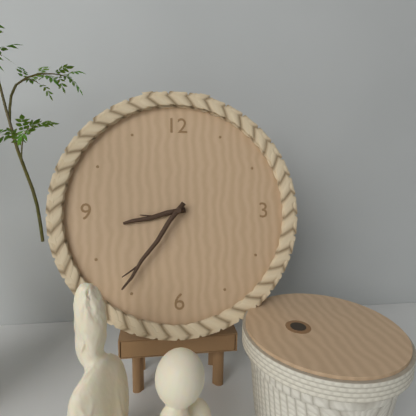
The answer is 8:36
